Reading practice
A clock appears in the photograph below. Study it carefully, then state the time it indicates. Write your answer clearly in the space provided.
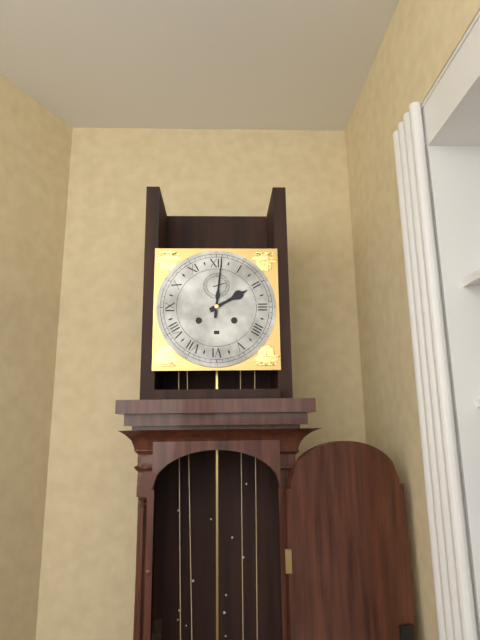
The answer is 2:01
